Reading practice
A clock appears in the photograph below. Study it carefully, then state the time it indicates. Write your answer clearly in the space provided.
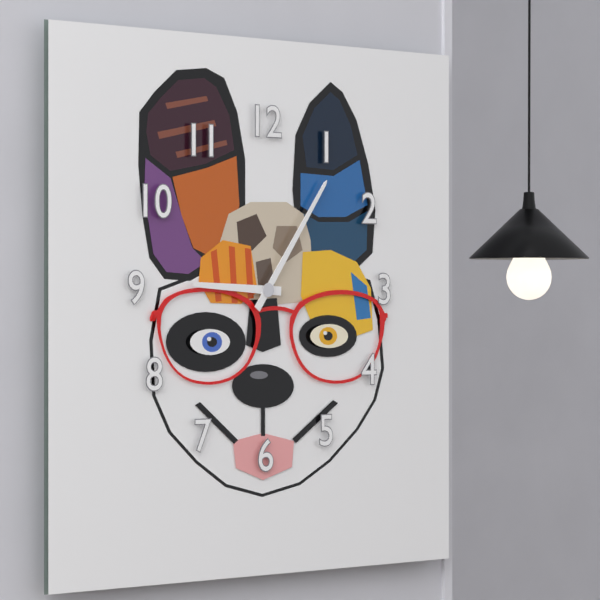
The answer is 9:06
